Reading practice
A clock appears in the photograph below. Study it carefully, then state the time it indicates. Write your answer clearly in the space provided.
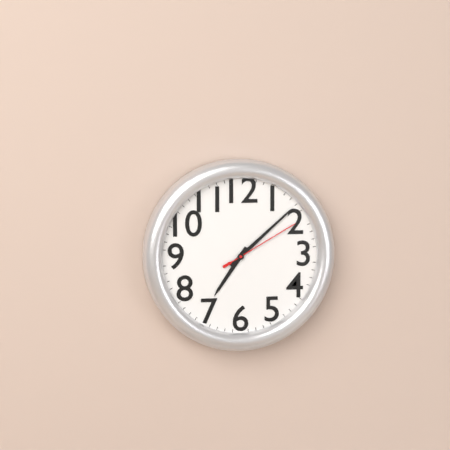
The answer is 7:08:10
